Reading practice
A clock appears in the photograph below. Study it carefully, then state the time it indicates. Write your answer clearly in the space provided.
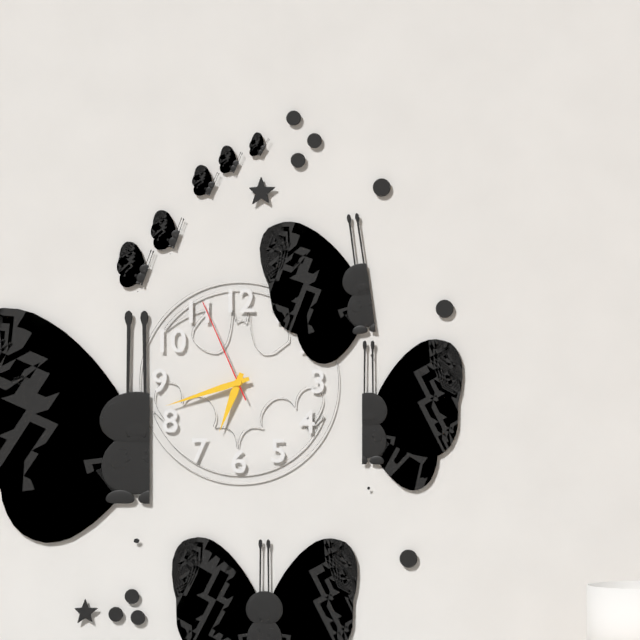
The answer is 6:42:56
